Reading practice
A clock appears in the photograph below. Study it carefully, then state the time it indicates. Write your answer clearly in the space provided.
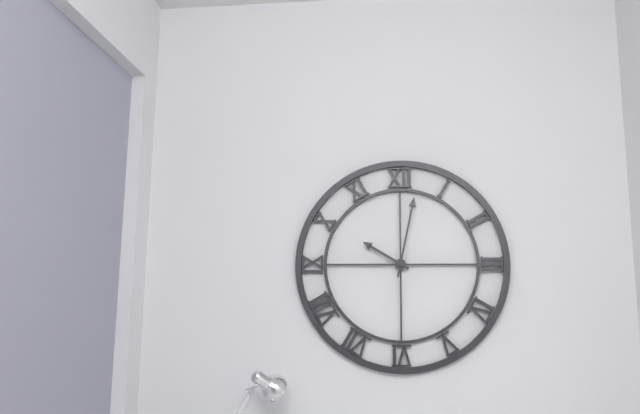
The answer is 10:02
